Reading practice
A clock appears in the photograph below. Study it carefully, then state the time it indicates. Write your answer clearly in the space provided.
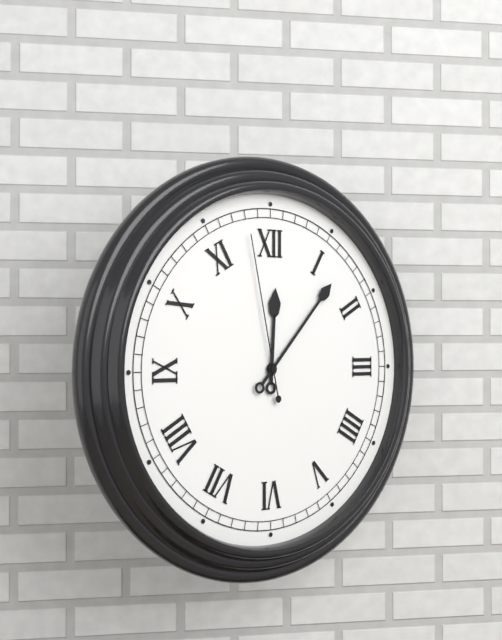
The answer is 12:07:58
